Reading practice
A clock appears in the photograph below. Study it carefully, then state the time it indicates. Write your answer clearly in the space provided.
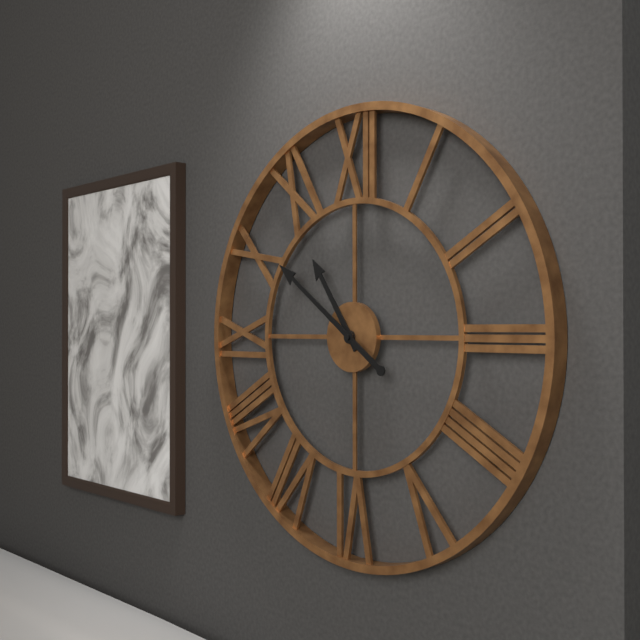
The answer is 10:51
